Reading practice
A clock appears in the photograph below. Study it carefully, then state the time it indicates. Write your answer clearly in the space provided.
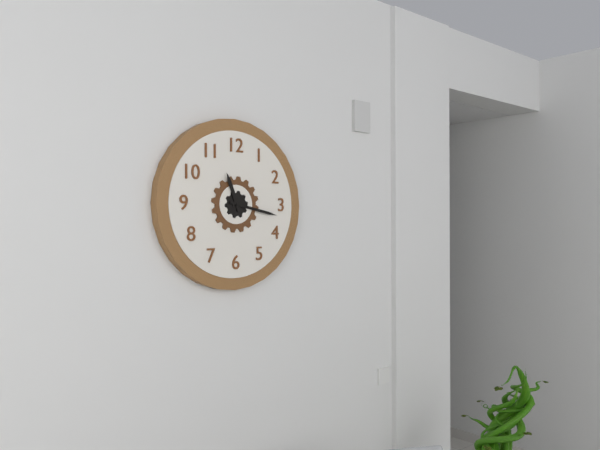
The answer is 11:17
